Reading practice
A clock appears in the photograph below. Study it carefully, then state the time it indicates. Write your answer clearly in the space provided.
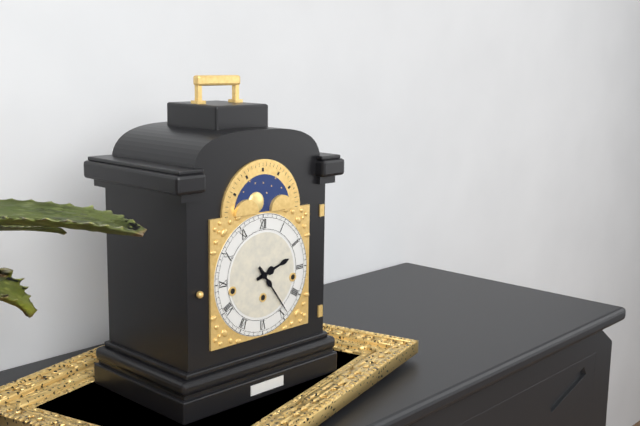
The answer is 2:24
